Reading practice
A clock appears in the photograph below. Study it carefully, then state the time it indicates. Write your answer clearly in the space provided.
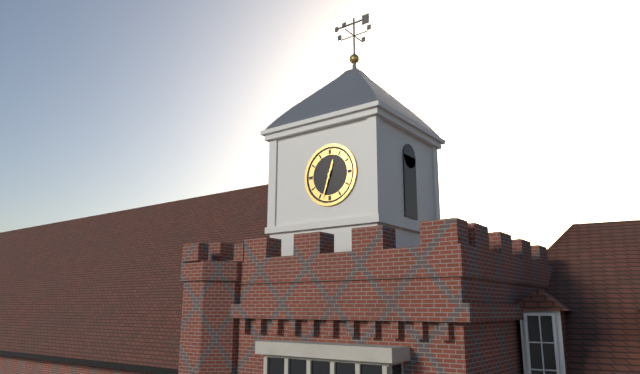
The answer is 12:33
